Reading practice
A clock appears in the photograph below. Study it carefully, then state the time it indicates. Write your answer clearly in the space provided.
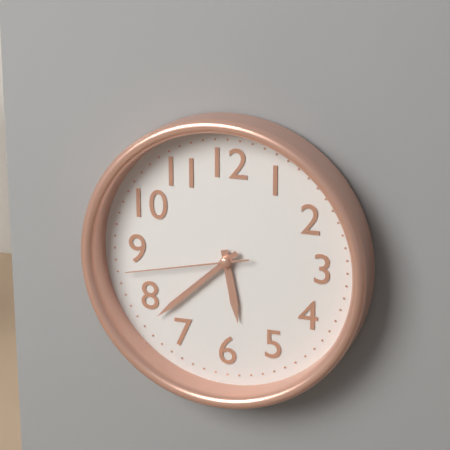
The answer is 5:38:43
